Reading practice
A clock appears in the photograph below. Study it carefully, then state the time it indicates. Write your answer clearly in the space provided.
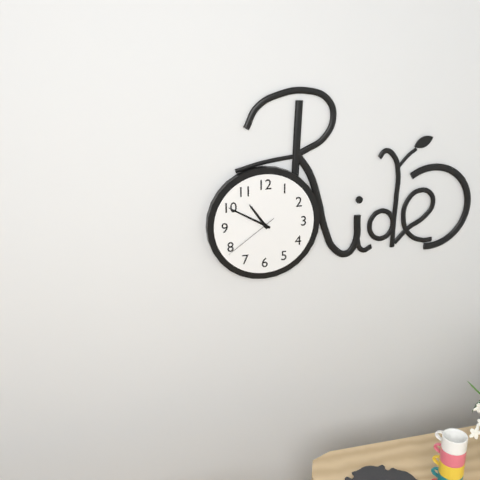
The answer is 10:50:39
